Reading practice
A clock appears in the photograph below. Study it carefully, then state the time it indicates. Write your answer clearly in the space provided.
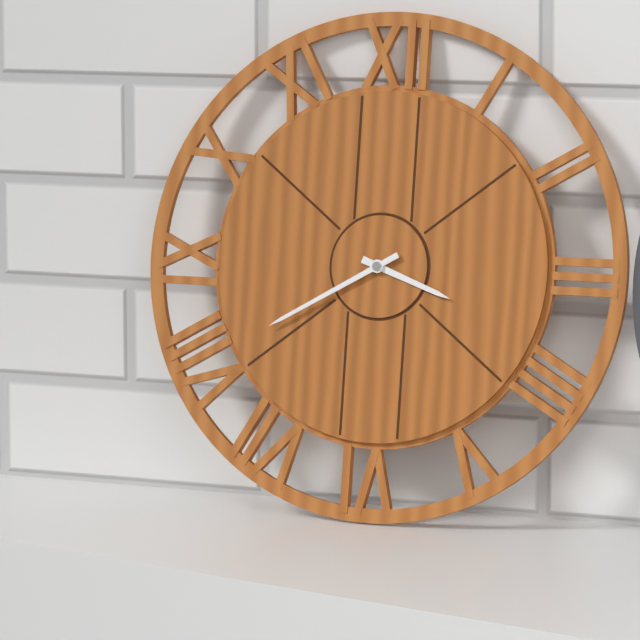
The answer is 3:40
